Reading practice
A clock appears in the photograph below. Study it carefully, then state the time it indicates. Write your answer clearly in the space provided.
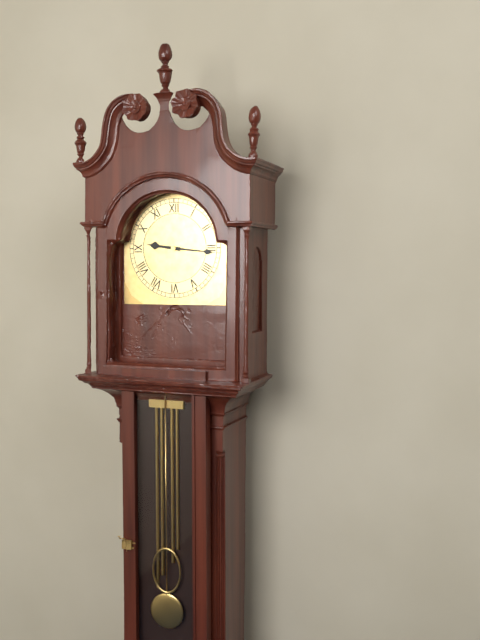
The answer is 9:16
